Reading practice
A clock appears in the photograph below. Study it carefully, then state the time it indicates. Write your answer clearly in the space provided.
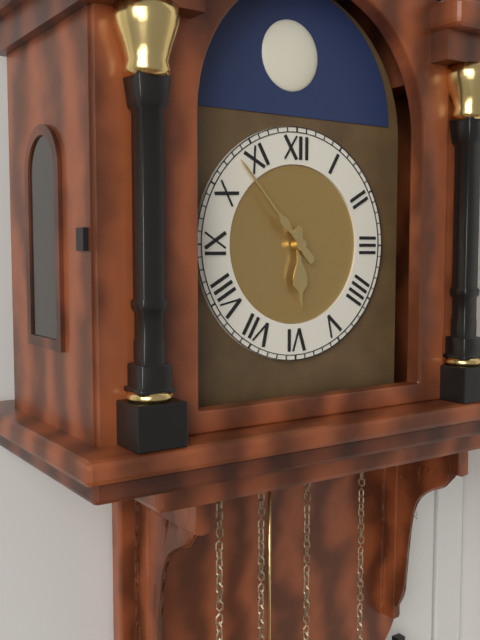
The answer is 5:53
